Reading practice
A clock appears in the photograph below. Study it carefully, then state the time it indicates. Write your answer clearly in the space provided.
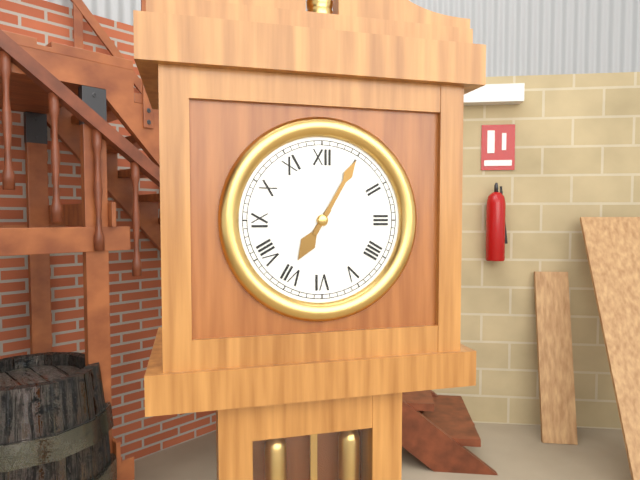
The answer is 7:05
